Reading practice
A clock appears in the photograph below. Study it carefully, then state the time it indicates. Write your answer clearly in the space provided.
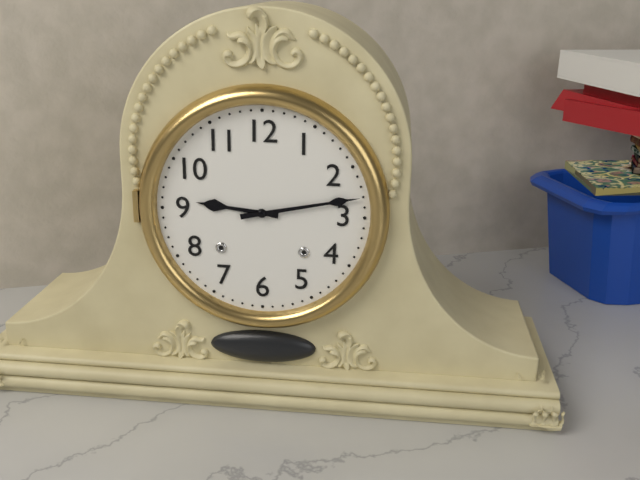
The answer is 9:13
